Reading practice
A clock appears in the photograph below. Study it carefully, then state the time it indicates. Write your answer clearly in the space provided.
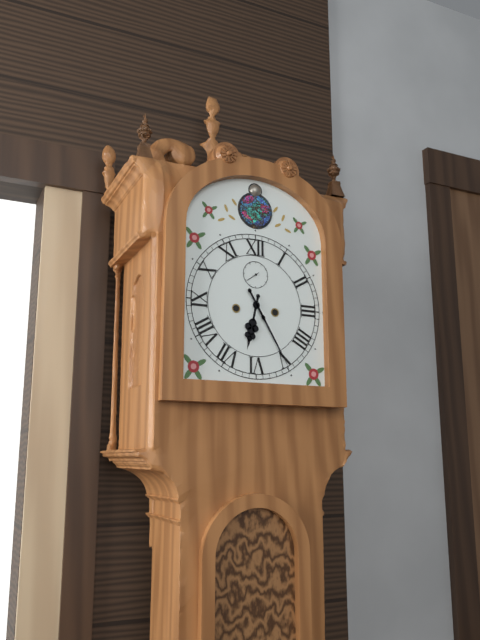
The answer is 6:25
